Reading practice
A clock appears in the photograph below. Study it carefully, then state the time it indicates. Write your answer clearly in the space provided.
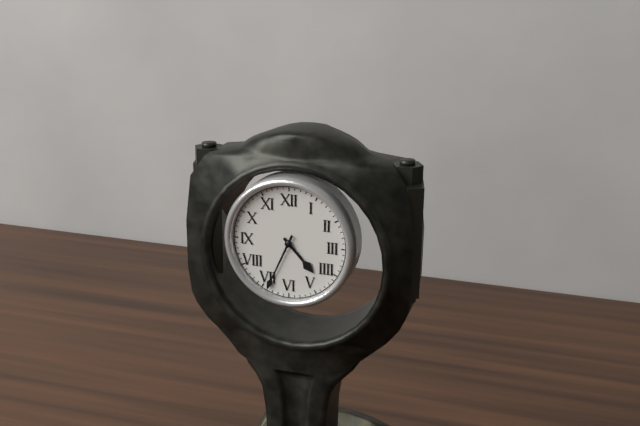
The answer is 4:34
